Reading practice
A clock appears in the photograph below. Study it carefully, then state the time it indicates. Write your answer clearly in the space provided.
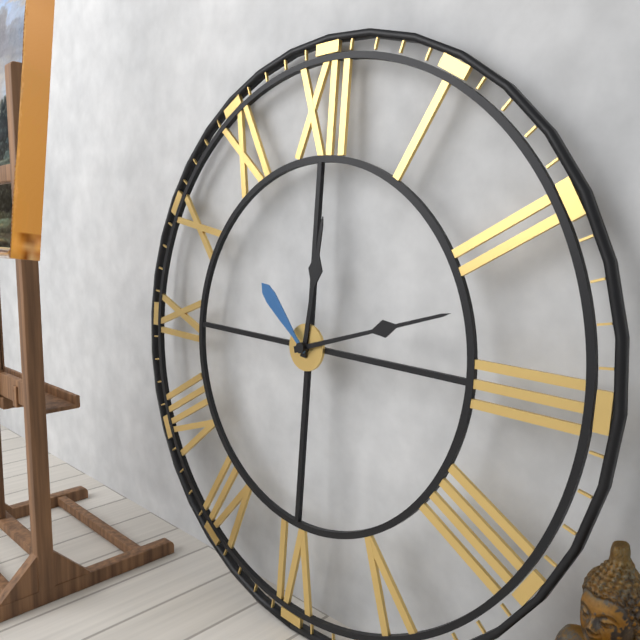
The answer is 12:12:52
